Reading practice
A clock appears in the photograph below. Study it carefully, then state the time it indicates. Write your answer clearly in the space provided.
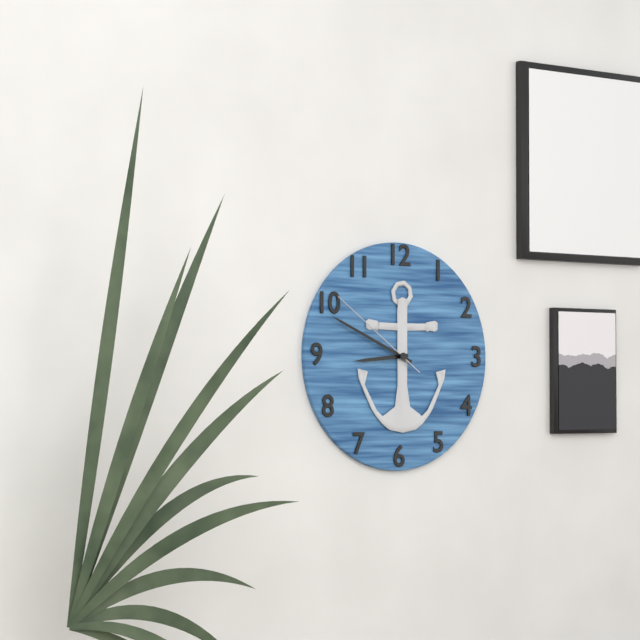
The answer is 8:49:51
